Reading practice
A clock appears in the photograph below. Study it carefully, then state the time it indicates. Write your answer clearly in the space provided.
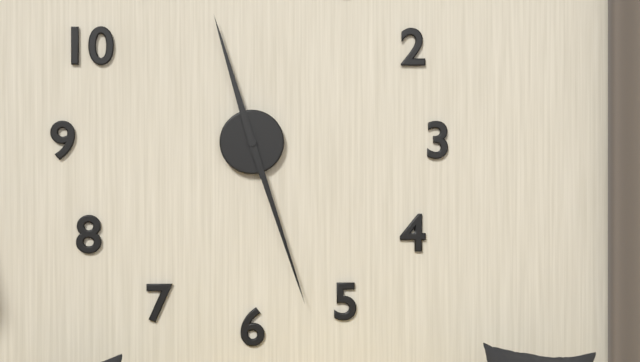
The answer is 11:27
